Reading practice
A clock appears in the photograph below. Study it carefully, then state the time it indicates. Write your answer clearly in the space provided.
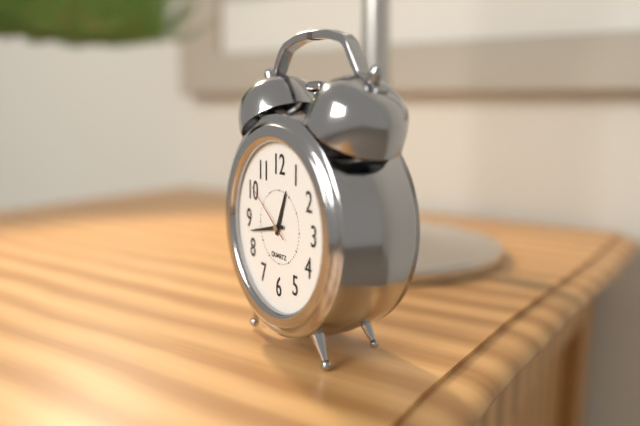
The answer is 12:43:51
